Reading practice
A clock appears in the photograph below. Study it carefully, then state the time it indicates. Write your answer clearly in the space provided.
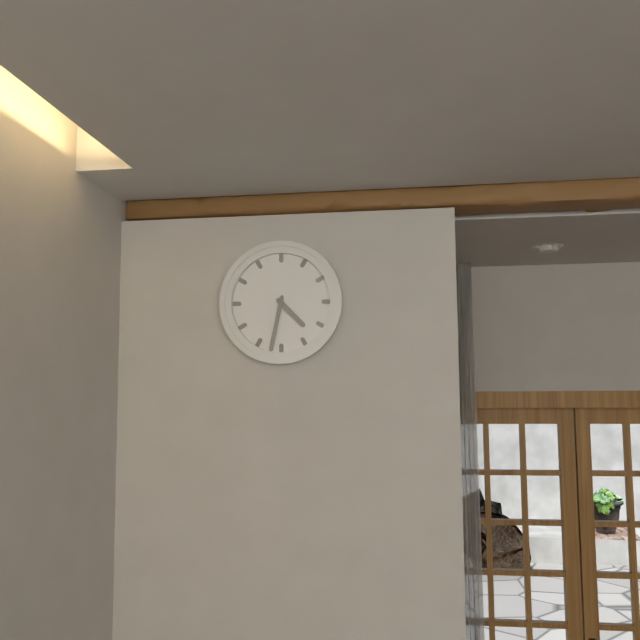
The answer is 4:32
